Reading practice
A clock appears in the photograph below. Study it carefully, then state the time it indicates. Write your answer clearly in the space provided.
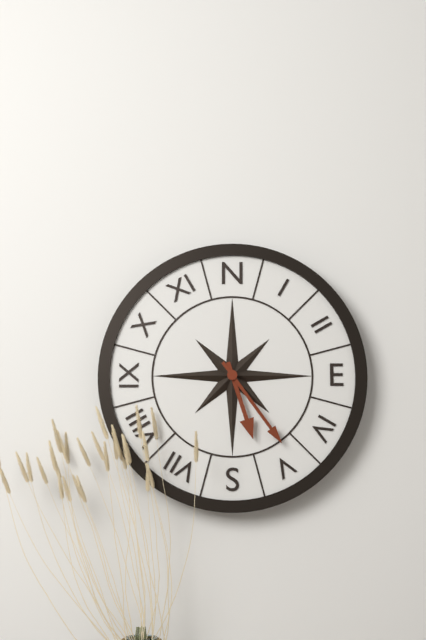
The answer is 5:24
